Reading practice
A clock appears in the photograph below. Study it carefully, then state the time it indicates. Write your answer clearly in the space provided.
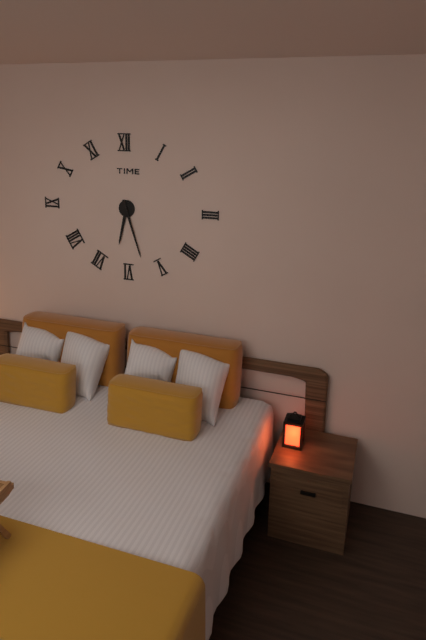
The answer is 6:27
